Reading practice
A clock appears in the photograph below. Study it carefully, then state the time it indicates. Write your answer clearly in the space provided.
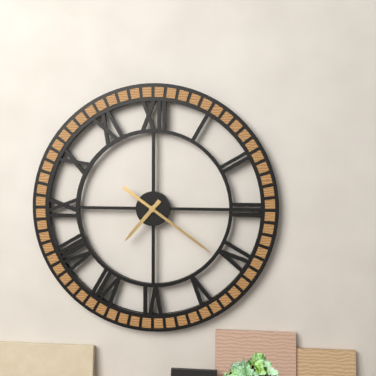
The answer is 7:21
